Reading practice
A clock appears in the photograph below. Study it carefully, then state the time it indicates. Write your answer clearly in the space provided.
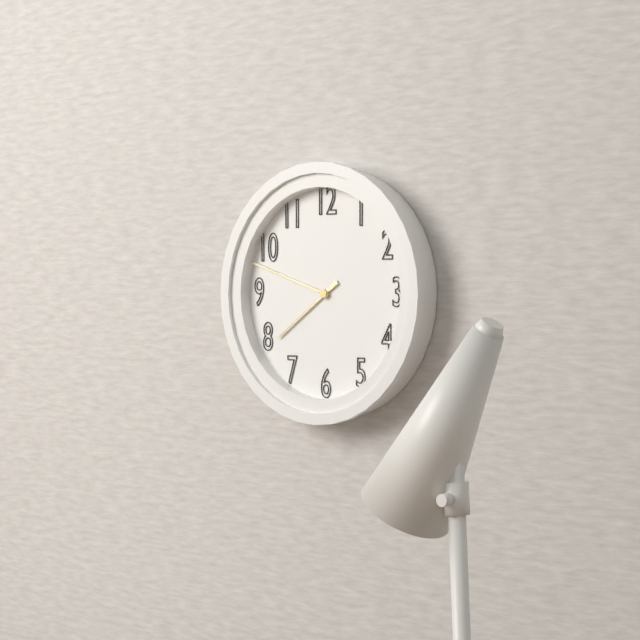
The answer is 7:48
